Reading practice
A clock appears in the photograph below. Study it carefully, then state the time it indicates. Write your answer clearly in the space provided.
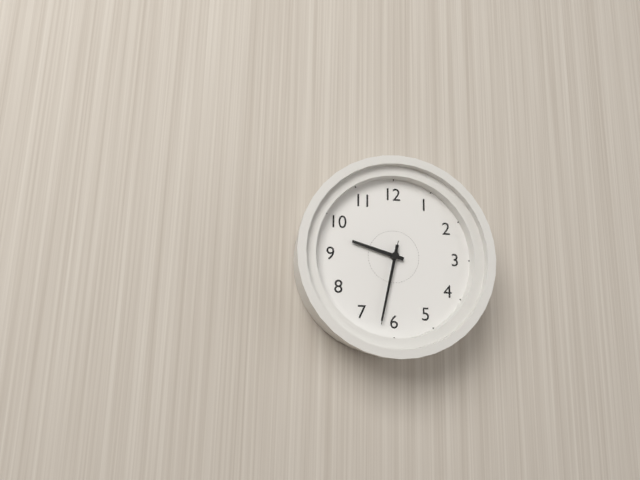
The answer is 9:32:32
